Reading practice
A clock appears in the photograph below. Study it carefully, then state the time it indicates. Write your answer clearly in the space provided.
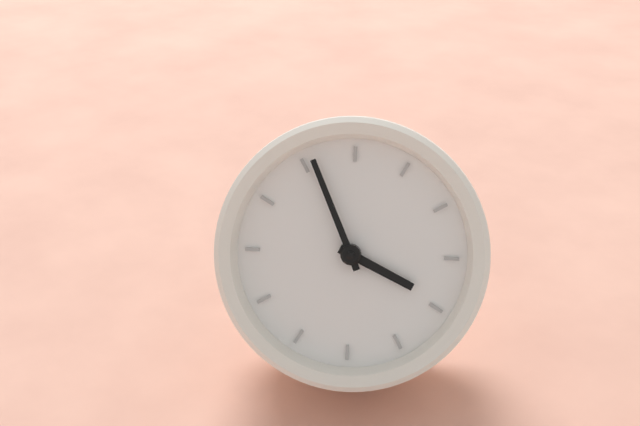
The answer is 2:51
